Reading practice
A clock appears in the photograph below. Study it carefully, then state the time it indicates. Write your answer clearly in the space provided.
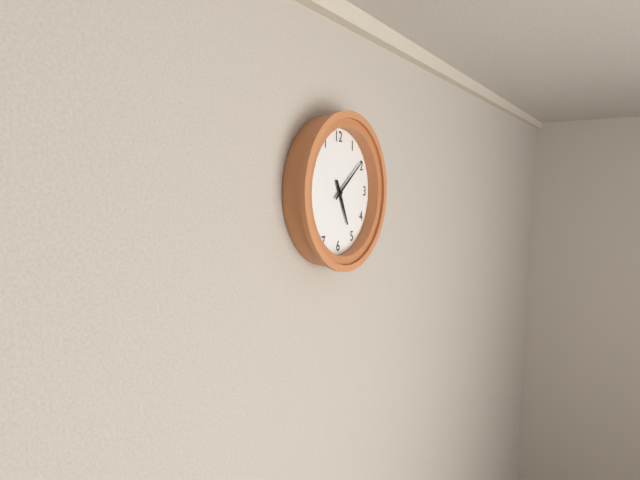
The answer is 5:09
